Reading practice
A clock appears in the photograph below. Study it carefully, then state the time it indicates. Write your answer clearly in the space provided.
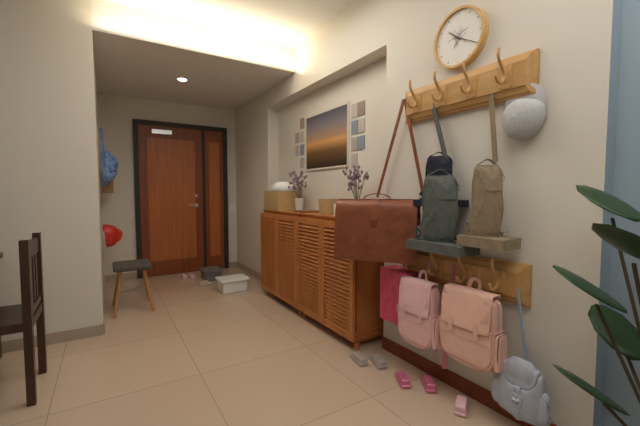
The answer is 10:20
